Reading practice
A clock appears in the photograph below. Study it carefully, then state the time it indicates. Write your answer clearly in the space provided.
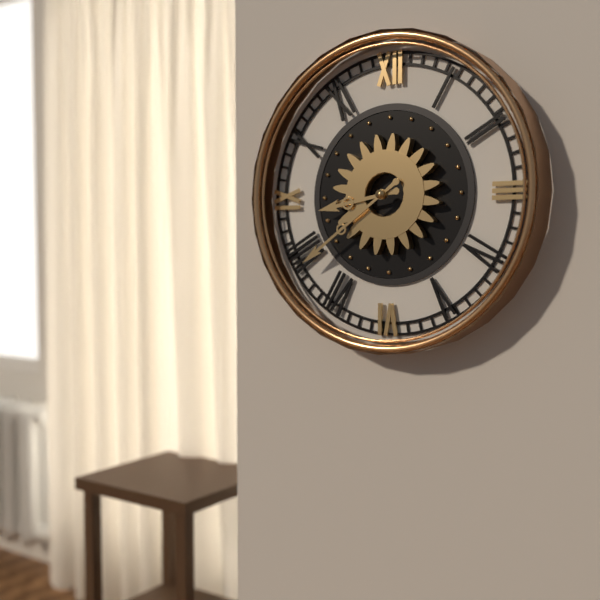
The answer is 8:39
